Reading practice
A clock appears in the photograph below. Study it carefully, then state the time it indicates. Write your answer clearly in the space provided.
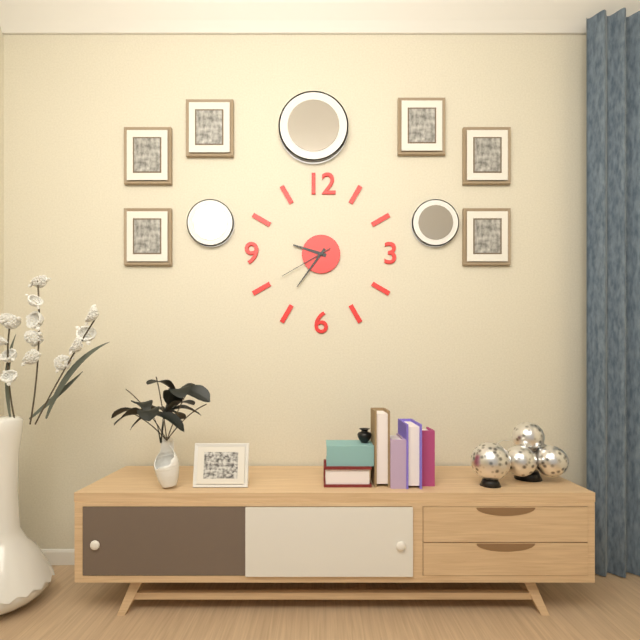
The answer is 9:36:40
